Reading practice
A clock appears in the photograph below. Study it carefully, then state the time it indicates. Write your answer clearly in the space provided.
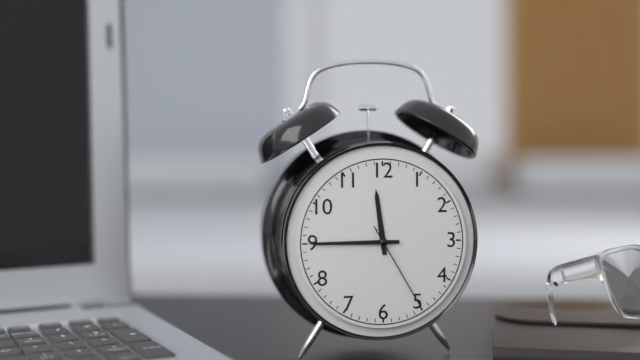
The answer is 11:45:25
